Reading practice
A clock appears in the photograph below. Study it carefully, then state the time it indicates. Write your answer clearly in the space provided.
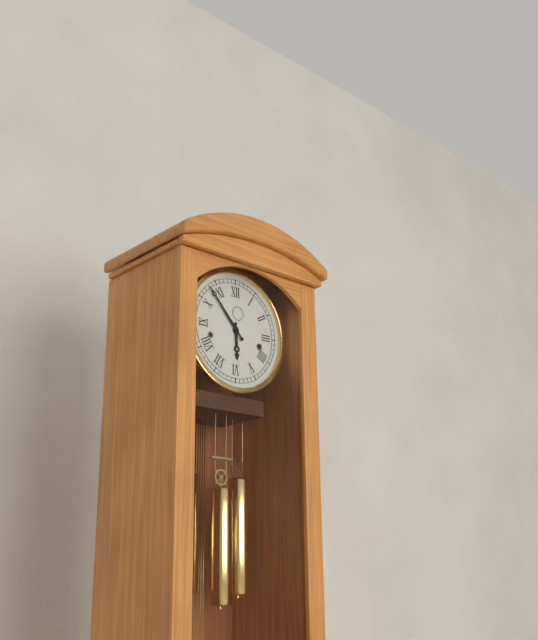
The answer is 5:53
